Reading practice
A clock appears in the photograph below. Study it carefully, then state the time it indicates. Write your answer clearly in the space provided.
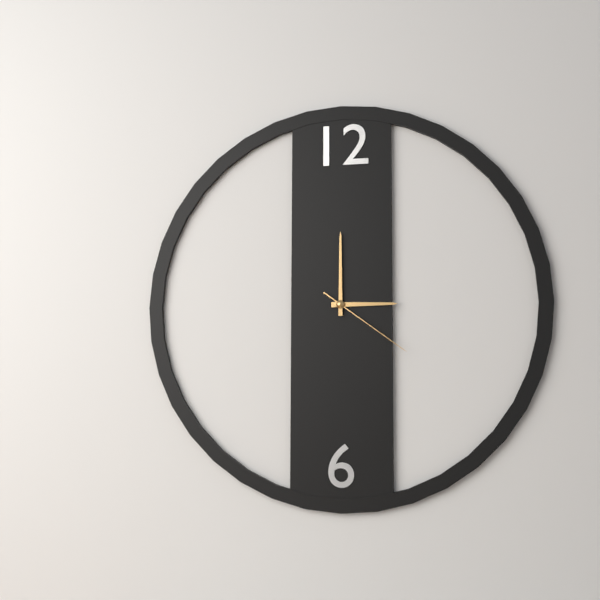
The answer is 3:00:21
